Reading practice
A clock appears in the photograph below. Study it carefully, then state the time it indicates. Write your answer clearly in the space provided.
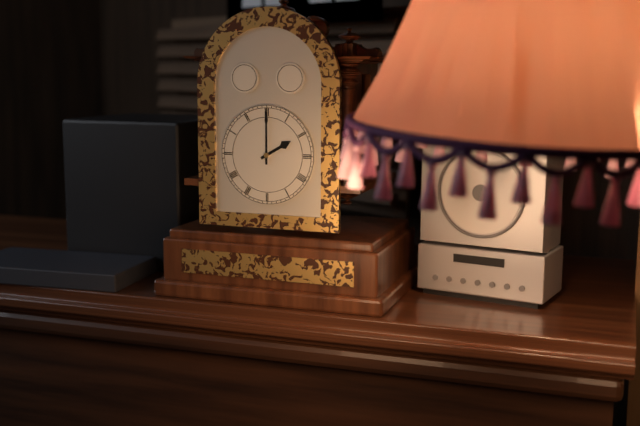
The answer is 2:00
